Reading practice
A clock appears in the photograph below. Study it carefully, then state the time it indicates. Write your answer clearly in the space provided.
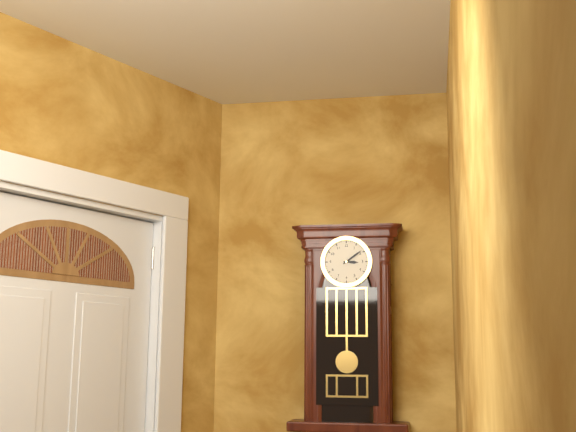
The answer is 3:09
